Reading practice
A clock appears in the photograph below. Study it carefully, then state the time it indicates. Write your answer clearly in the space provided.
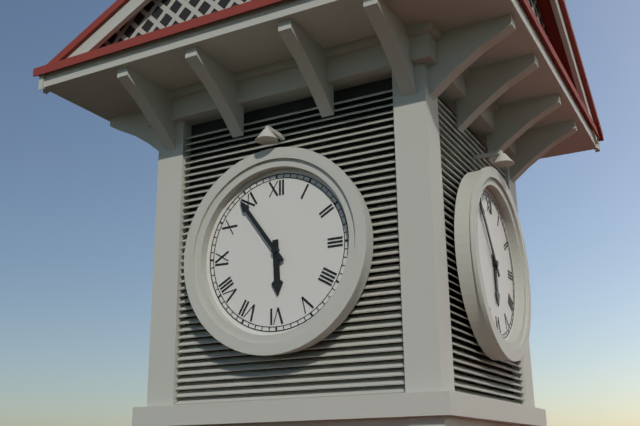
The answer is 5:54
